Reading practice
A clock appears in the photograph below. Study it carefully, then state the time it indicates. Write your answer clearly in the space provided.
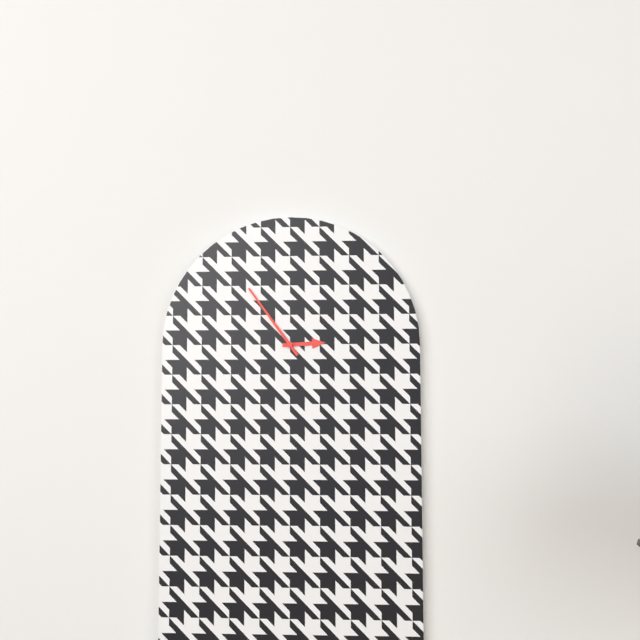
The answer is 2:54
